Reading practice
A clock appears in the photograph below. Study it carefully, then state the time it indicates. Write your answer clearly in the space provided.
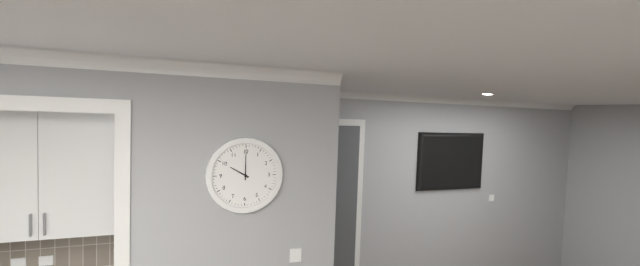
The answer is 10:00
